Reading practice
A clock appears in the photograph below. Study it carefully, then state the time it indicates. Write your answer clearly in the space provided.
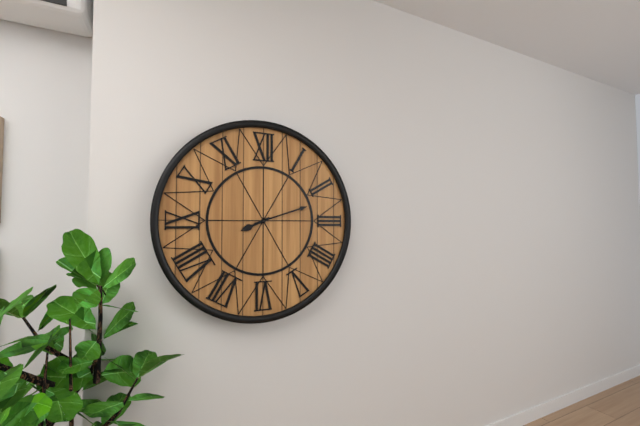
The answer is 8:12
